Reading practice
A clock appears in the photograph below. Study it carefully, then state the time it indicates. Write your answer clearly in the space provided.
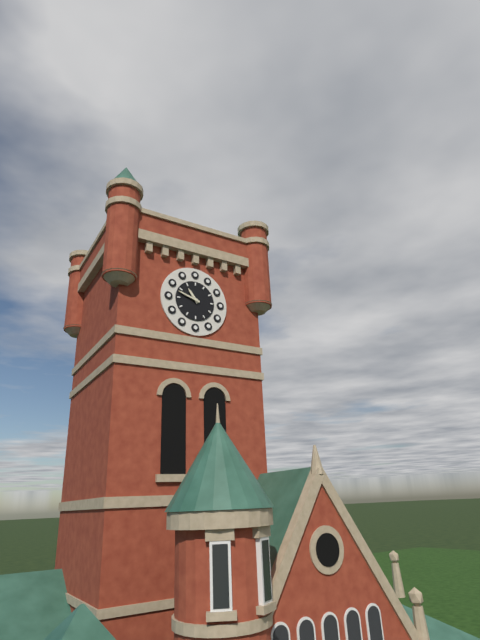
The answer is 10:48
